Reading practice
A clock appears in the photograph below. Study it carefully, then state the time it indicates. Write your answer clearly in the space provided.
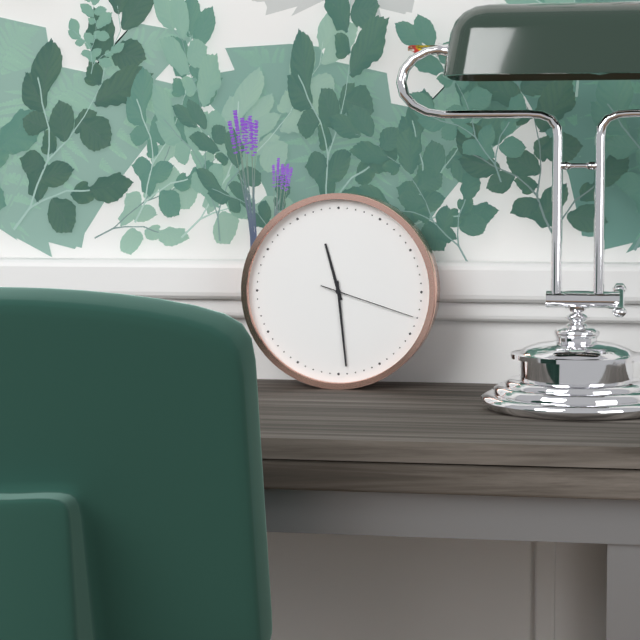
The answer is 11:29:18
